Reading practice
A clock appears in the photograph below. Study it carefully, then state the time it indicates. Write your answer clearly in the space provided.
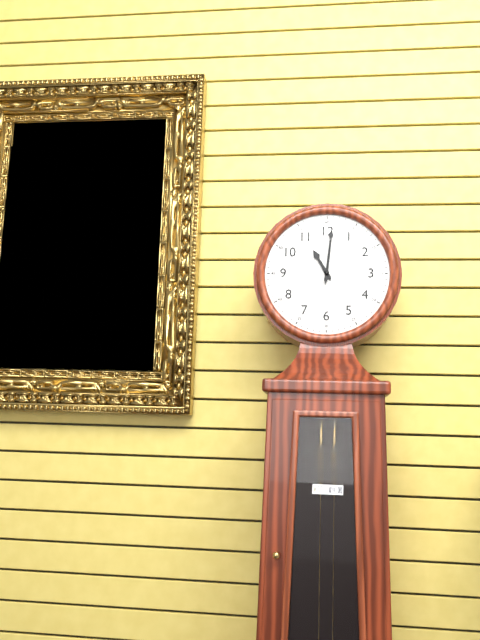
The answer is 11:01
